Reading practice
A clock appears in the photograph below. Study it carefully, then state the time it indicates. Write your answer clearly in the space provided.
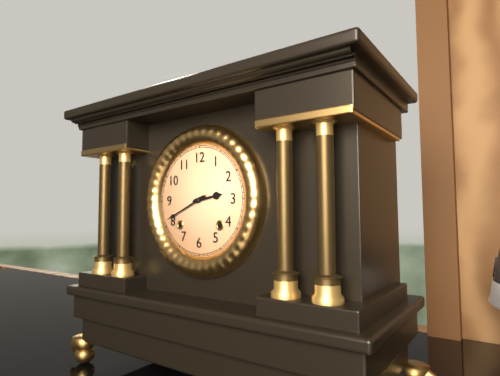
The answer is 2:41
